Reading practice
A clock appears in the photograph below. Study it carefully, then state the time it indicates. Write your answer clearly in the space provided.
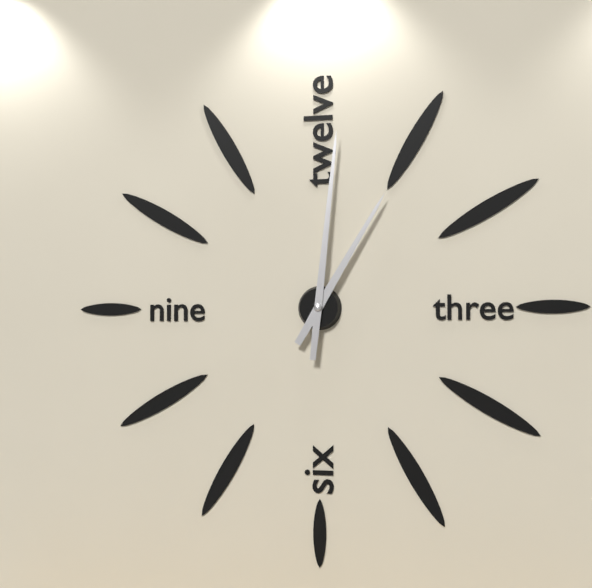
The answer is 1:01
